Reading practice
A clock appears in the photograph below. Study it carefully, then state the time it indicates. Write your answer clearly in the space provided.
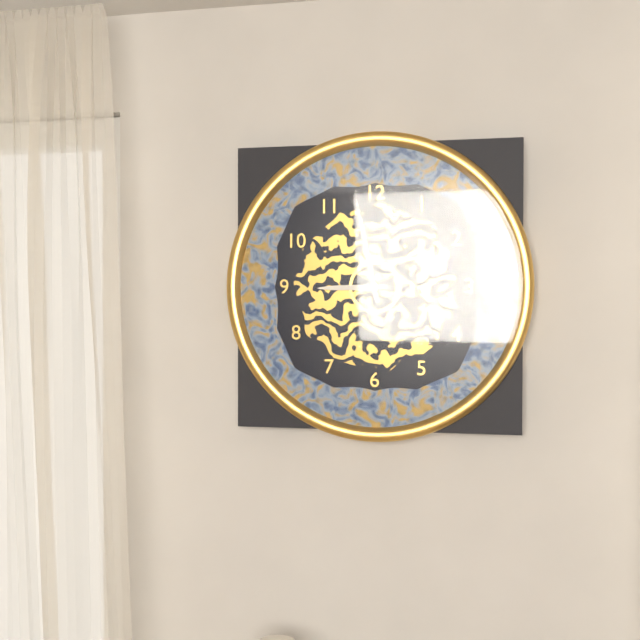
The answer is 8:58
